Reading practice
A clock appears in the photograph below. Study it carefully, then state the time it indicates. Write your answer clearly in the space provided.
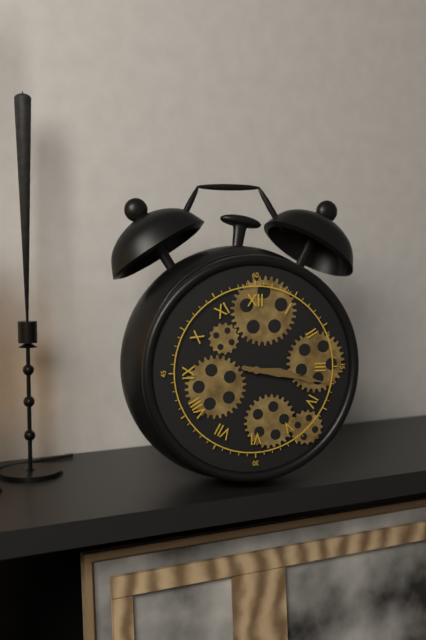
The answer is 3:17
